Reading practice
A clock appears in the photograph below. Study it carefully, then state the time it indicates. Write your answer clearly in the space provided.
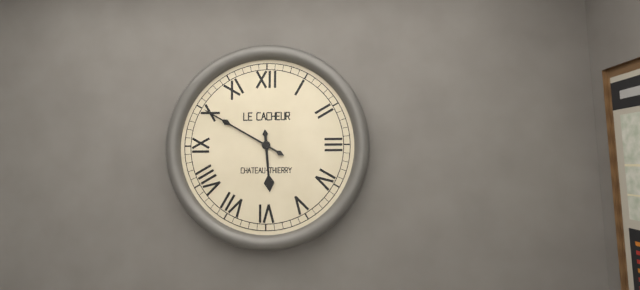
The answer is 5:50
